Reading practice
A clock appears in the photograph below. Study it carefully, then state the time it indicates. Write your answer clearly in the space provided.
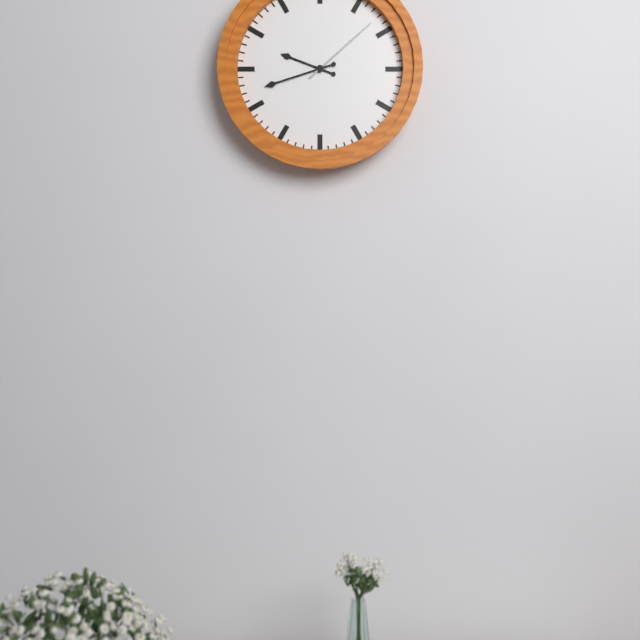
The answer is 9:42:08
